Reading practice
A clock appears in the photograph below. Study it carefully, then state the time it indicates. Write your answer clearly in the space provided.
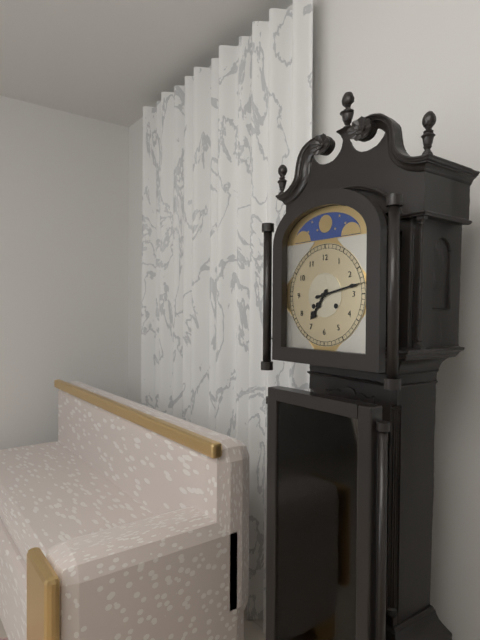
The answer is 7:13
